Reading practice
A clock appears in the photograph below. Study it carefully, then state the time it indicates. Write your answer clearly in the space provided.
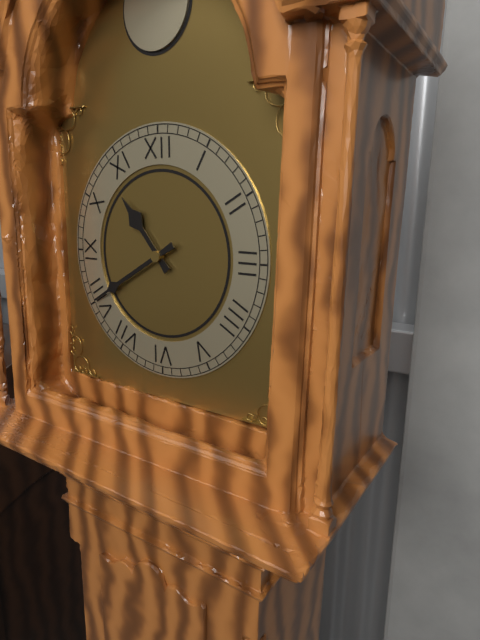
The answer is 10:40
